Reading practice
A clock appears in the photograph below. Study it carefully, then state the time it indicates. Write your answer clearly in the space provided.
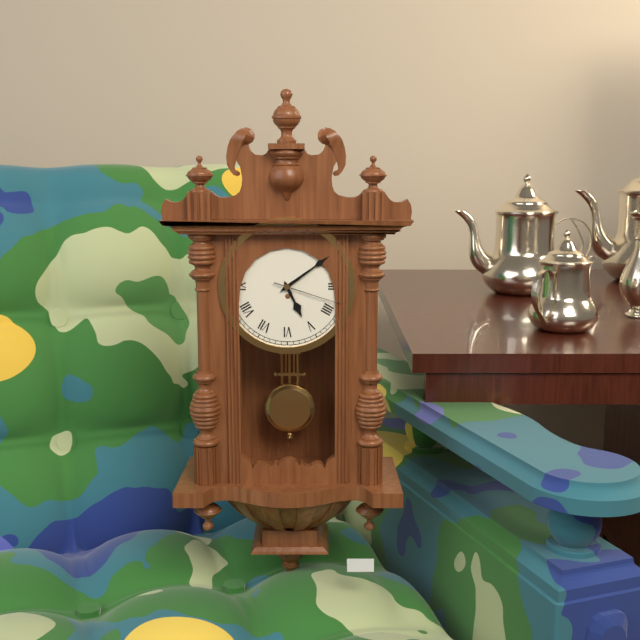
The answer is 5:09:18
